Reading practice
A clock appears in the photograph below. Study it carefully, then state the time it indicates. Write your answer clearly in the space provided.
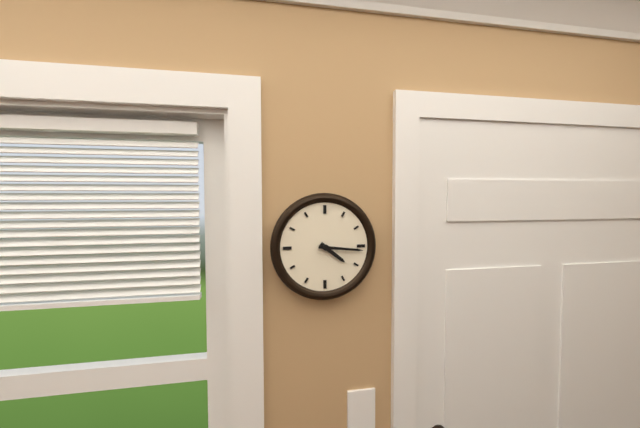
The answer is 4:16
